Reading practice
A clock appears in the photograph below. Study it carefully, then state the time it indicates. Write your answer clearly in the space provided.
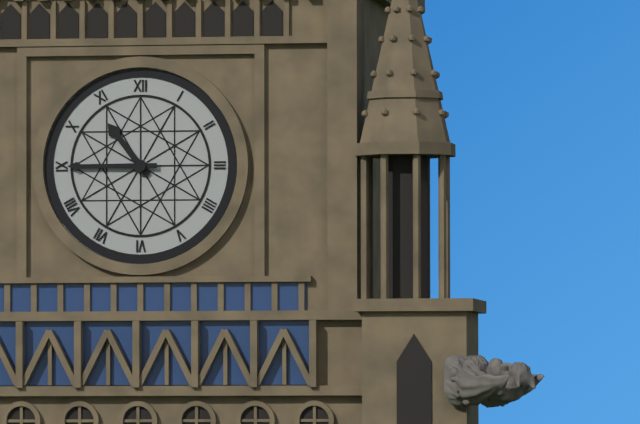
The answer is 10:45
